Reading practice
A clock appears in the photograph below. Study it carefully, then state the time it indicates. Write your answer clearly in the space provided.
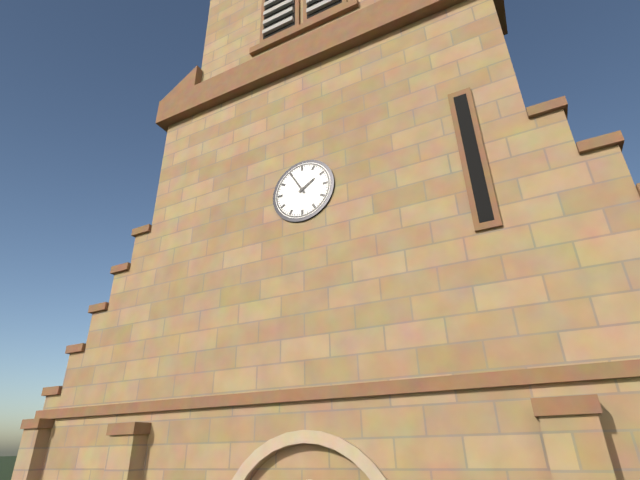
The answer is 1:55
